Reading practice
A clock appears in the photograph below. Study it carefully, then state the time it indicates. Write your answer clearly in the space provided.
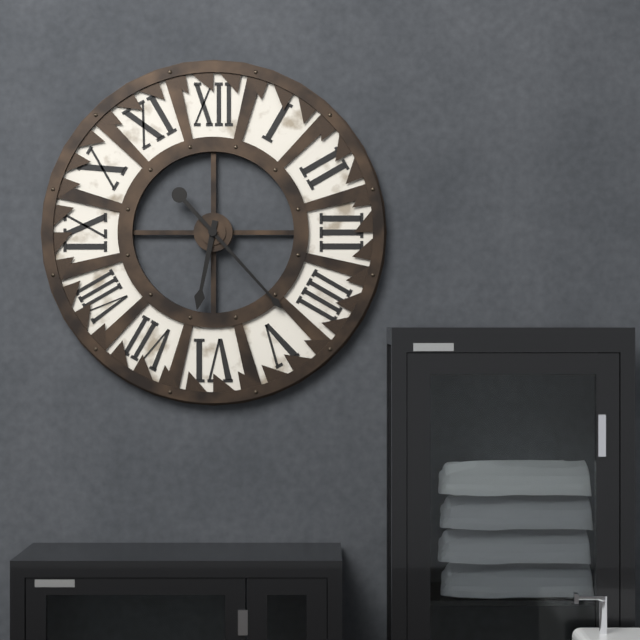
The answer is 6:23
